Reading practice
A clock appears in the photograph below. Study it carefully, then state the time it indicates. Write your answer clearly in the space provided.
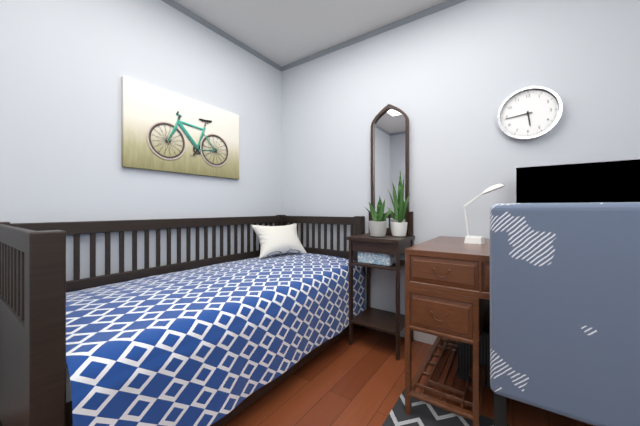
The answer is 5:44
